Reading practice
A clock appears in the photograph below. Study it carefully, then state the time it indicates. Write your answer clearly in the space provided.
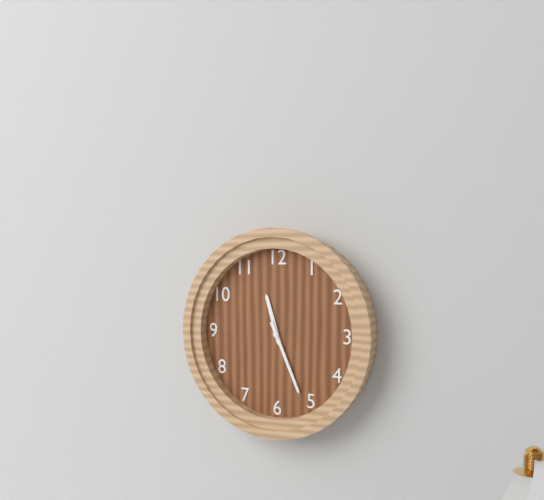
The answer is 11:26
